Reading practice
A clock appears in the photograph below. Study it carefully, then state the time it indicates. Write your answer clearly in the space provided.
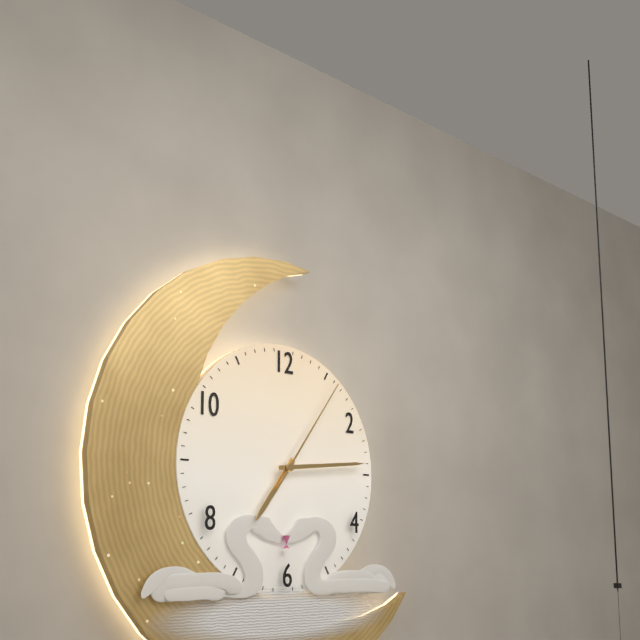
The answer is 7:14:06
